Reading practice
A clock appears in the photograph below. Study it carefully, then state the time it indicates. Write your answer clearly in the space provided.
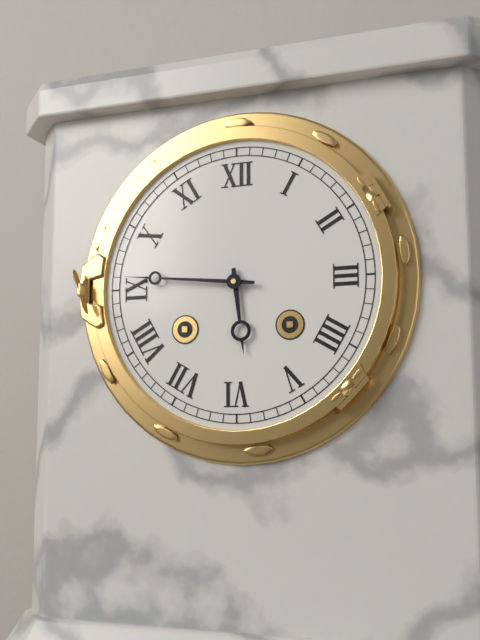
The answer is 5:46
